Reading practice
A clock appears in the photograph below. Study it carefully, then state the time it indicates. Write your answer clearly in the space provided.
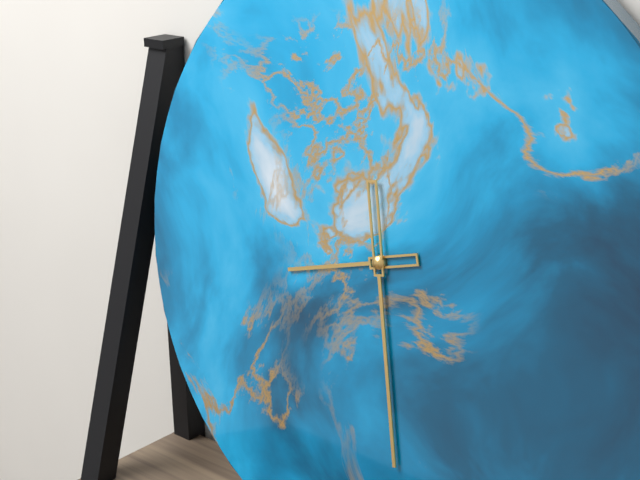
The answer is 8:28
